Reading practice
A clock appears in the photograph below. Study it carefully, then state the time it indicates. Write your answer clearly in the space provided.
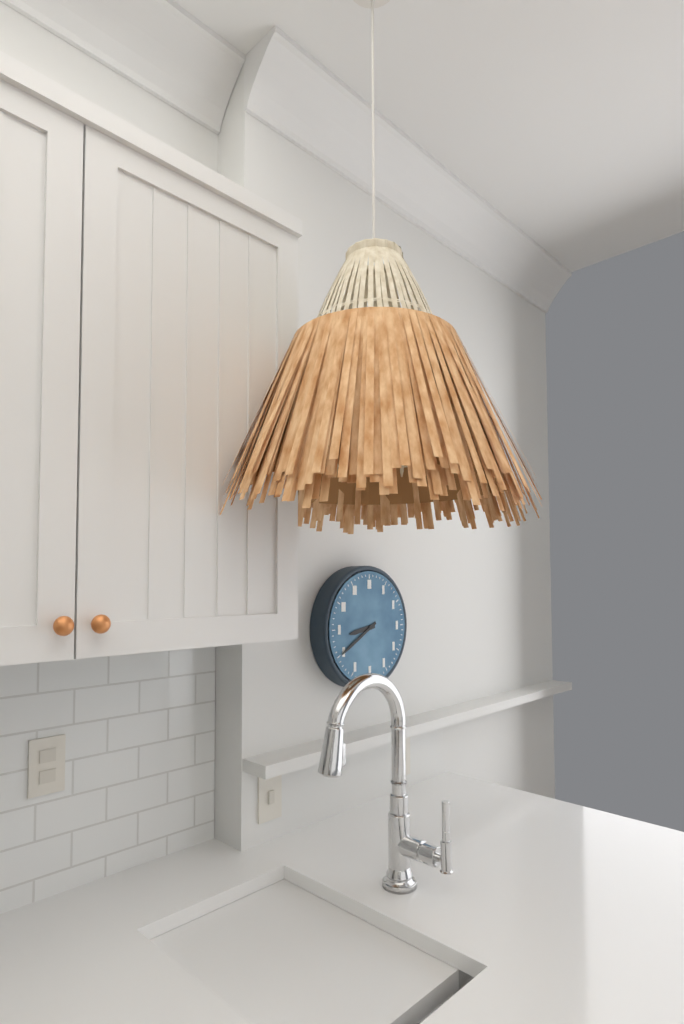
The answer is 8:40
